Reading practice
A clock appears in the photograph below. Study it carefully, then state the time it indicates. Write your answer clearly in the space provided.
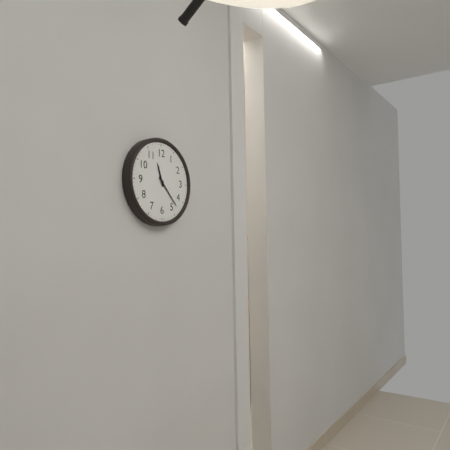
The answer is 11:23
